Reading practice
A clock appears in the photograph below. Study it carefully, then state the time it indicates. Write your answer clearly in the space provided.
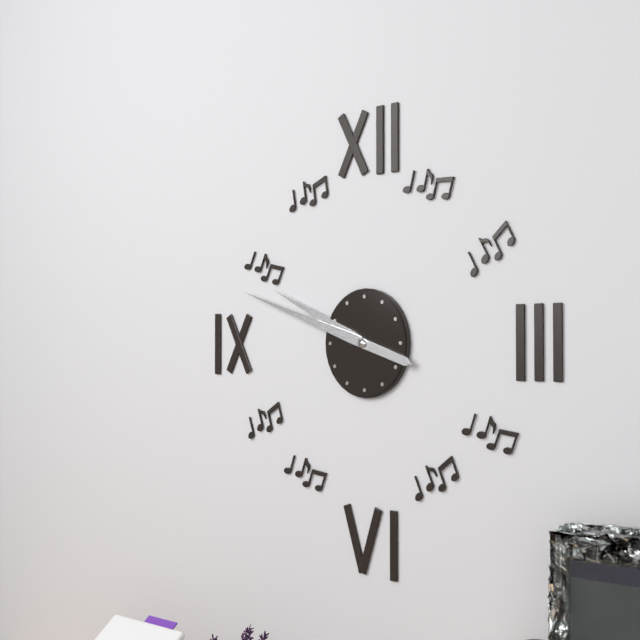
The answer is 9:48
